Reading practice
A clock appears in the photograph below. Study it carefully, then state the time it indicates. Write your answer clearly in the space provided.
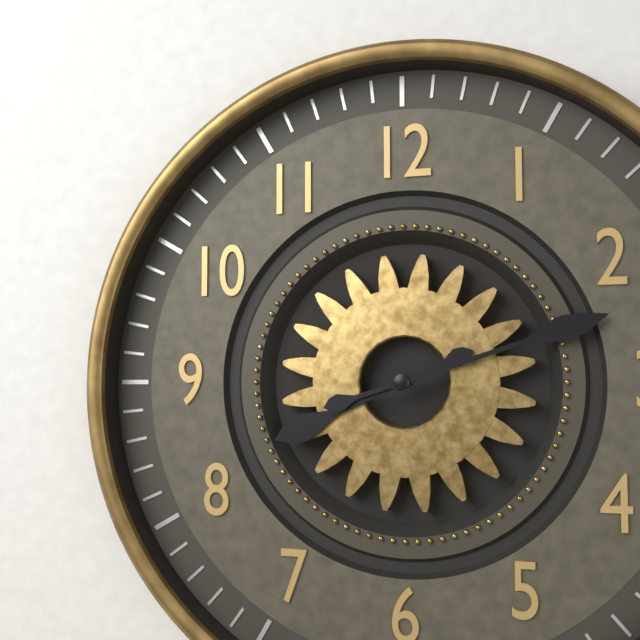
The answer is 8:12
